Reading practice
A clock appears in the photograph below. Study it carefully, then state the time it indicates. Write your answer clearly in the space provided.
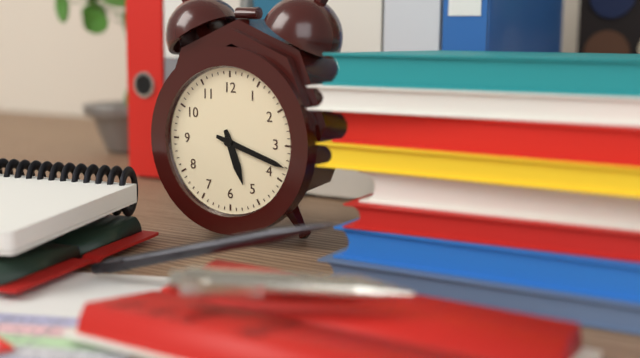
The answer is 5:18
